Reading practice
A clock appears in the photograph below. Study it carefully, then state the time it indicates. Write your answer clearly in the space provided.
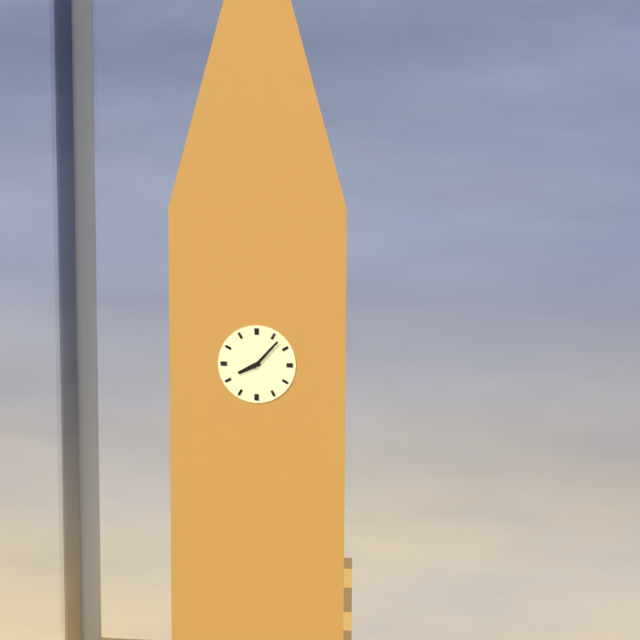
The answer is 8:07
